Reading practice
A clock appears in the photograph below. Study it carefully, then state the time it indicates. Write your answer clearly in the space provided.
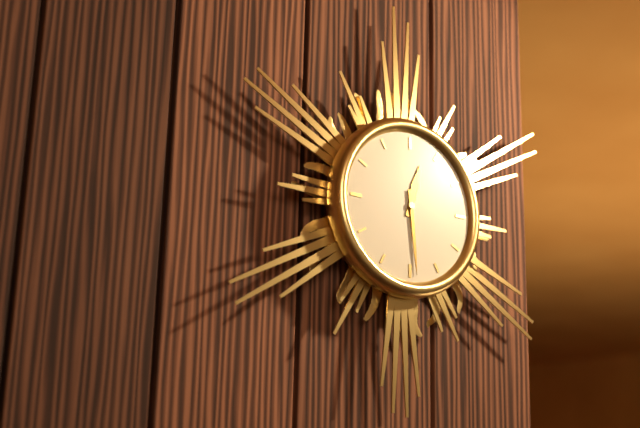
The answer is 12:29
